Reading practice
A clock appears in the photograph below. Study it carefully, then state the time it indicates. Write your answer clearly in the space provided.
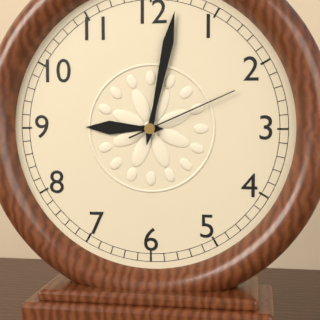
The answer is 9:02:11
